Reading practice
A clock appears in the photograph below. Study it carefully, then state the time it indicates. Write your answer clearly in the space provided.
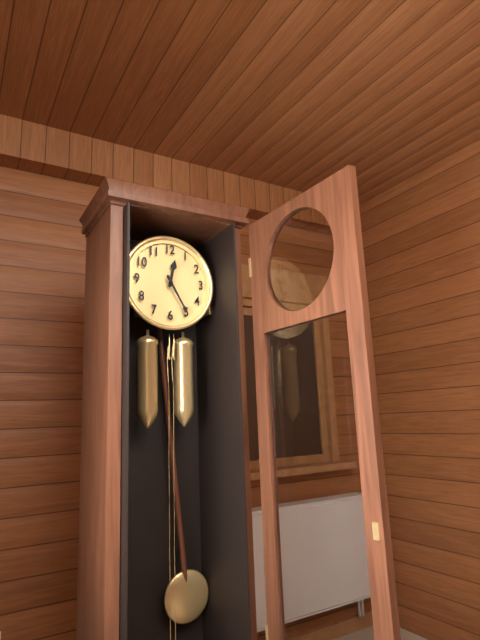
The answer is 12:25
